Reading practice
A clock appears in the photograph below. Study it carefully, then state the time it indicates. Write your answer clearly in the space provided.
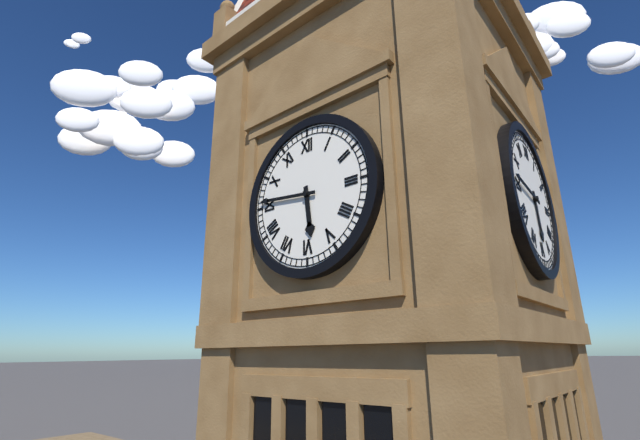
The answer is 5:46
